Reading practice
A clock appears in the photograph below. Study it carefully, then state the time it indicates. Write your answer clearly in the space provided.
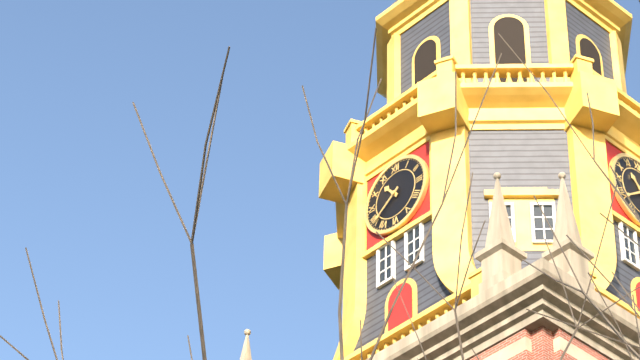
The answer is 10:39
